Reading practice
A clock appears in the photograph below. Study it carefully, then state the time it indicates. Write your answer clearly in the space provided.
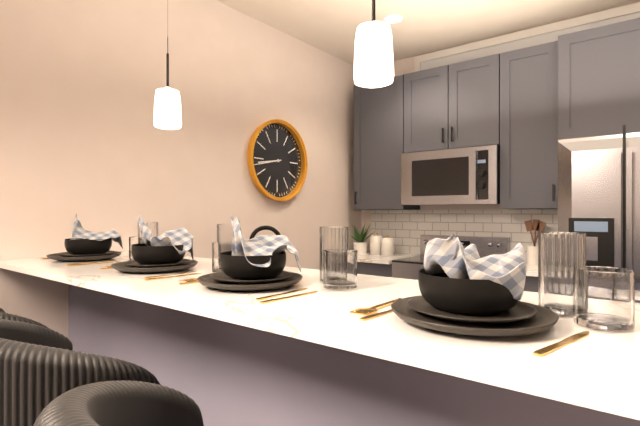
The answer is 8:43
